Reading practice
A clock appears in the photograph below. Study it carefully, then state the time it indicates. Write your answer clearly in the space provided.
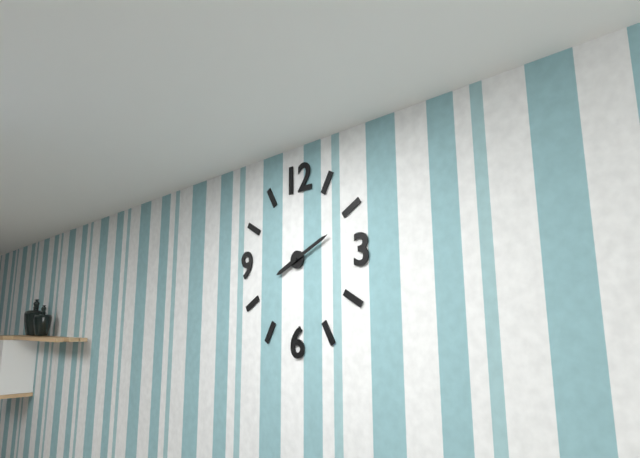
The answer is 8:11
